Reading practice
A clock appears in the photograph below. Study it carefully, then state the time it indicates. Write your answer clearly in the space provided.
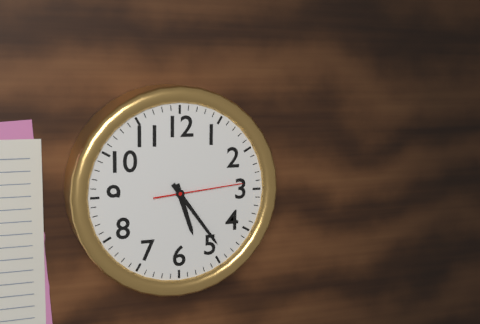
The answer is 5:24:14
